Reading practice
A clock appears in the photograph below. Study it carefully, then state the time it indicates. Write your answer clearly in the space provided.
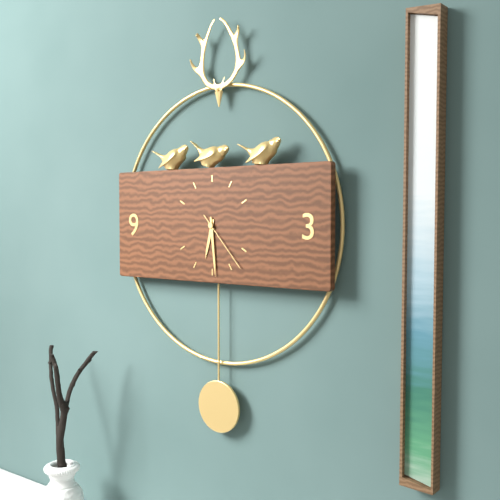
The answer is 6:29:23
